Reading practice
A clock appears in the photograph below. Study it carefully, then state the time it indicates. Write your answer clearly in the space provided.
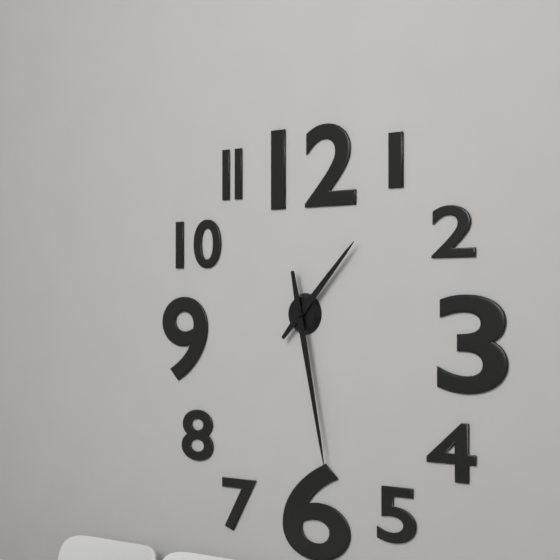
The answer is 1:28
